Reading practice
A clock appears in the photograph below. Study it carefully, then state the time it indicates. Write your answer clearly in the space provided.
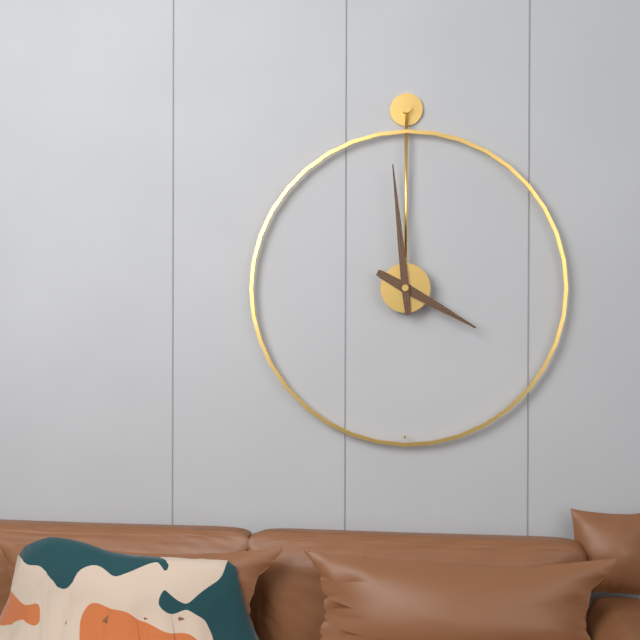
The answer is 3:59
